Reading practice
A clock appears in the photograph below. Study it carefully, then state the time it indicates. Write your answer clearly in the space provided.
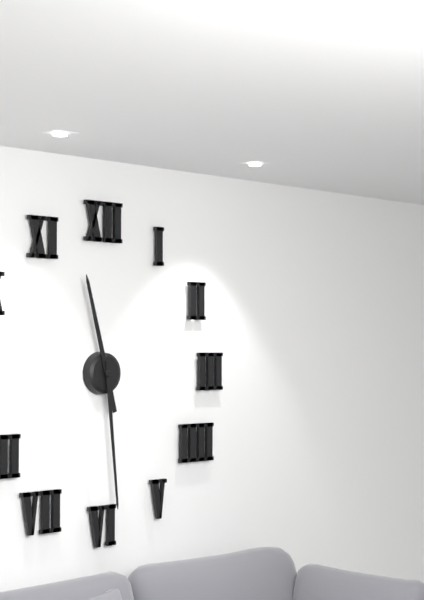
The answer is 11:29
